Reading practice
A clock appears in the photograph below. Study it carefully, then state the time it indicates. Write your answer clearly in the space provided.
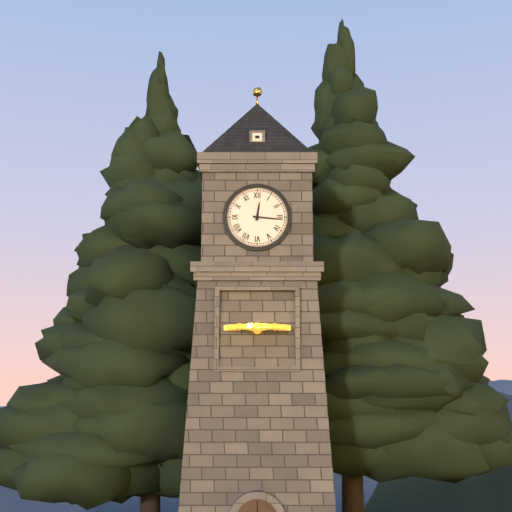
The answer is 12:16
